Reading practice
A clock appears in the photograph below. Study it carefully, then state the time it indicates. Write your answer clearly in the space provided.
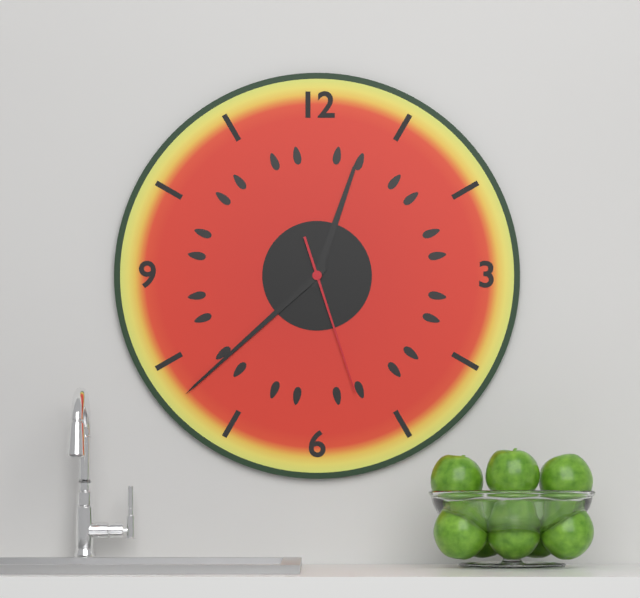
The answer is 12:38:27
